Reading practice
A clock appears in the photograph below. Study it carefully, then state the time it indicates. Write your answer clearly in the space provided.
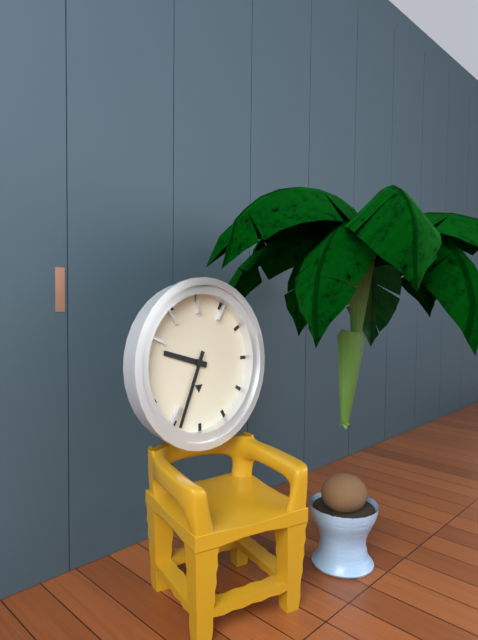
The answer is 9:34
